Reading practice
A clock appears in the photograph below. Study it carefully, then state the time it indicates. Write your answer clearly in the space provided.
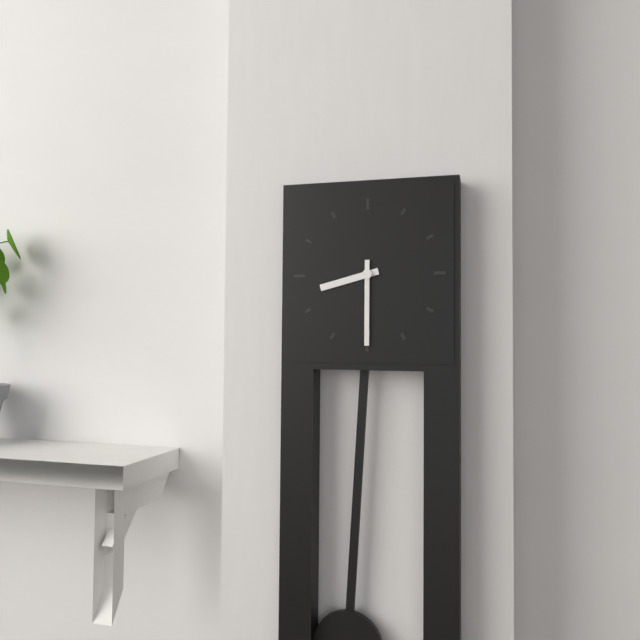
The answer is 8:30
